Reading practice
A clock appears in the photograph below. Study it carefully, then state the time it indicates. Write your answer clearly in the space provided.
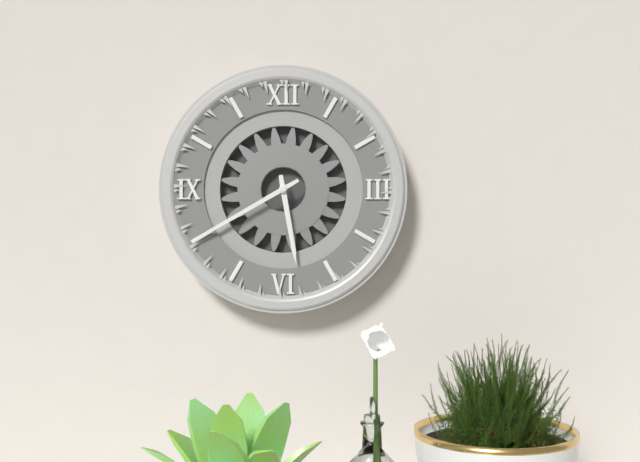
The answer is 5:40
